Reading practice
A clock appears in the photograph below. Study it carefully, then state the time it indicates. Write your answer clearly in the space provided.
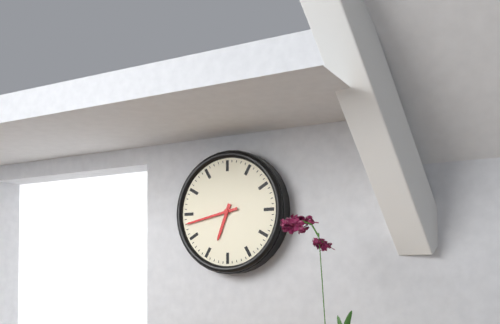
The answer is 6:43
